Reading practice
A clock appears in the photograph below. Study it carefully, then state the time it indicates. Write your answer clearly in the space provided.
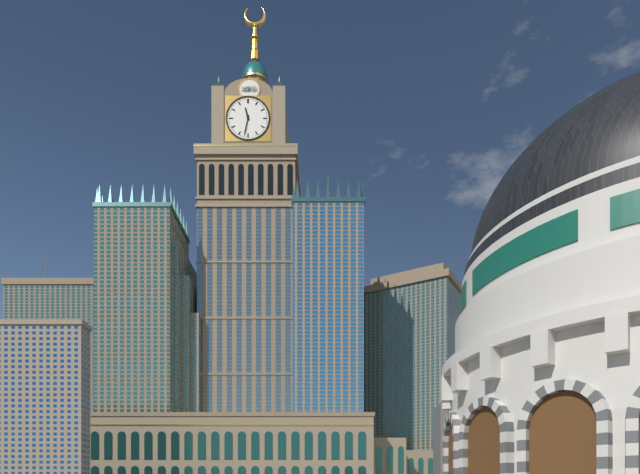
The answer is 11:32
